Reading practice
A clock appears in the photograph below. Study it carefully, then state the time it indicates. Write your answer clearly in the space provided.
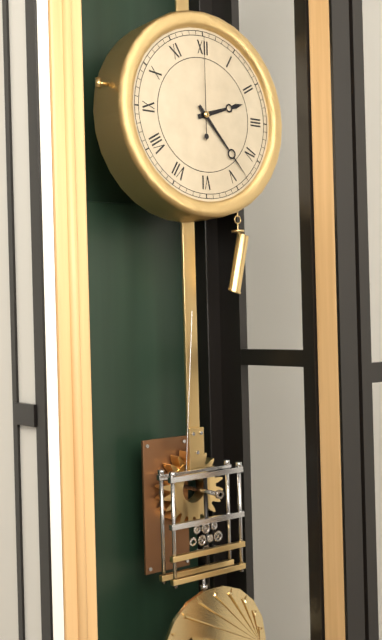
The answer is 2:23:00
